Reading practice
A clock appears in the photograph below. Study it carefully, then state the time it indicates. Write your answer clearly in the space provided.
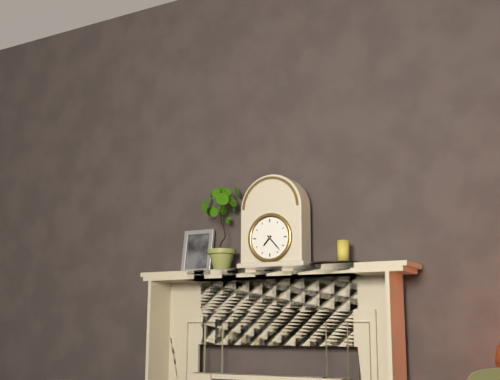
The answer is 7:23
